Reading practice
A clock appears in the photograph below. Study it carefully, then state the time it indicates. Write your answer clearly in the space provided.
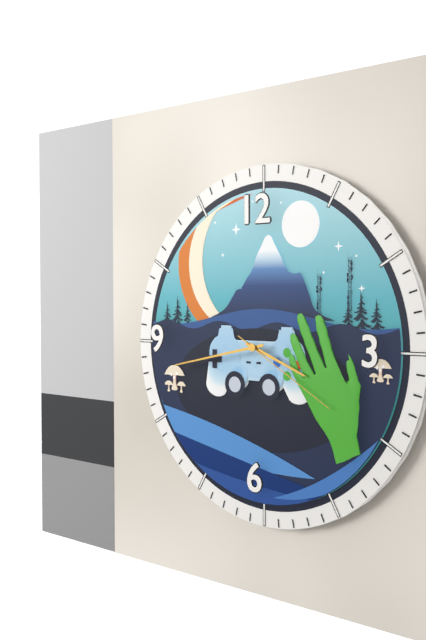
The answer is 3:43:20
